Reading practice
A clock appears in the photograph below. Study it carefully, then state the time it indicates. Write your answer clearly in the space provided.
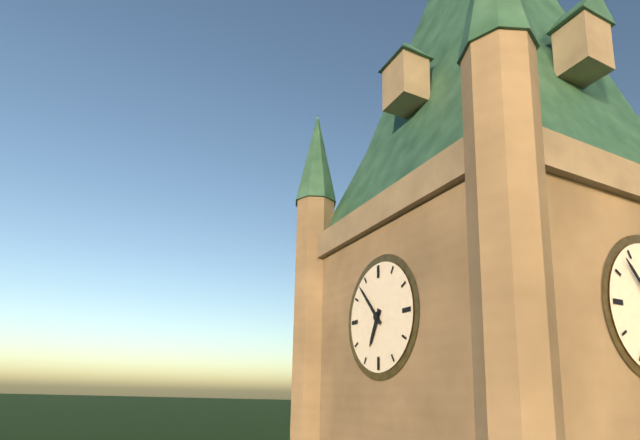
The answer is 6:53
